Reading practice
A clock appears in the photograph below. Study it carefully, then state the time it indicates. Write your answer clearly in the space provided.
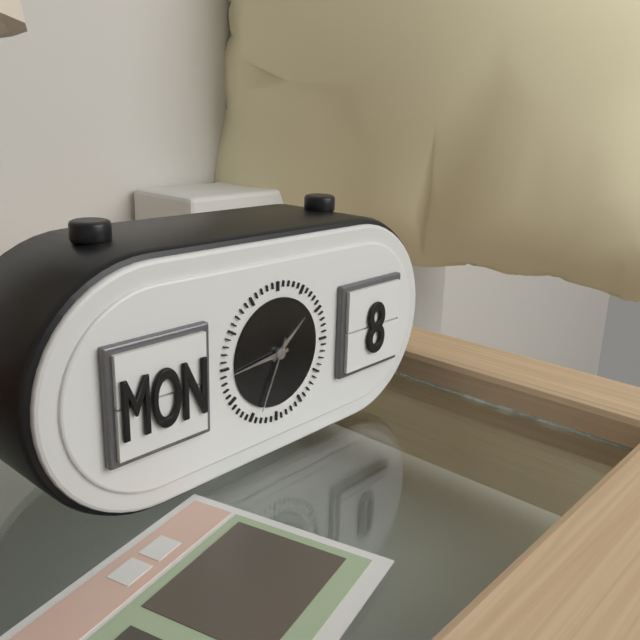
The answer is 1:44:34
